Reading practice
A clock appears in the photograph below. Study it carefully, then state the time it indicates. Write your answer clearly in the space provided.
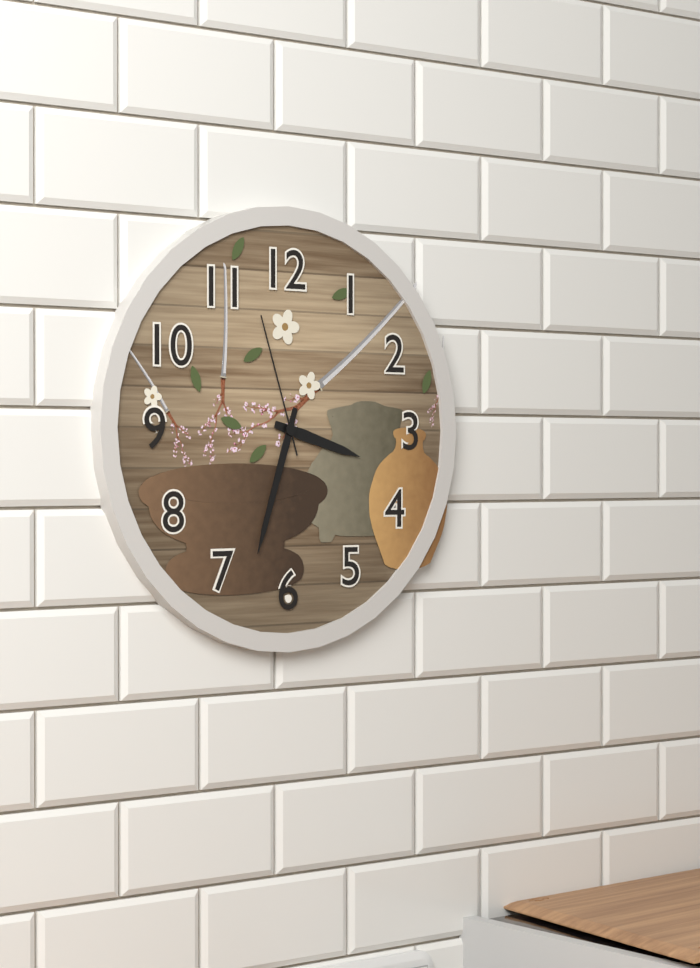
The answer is 3:33:57
